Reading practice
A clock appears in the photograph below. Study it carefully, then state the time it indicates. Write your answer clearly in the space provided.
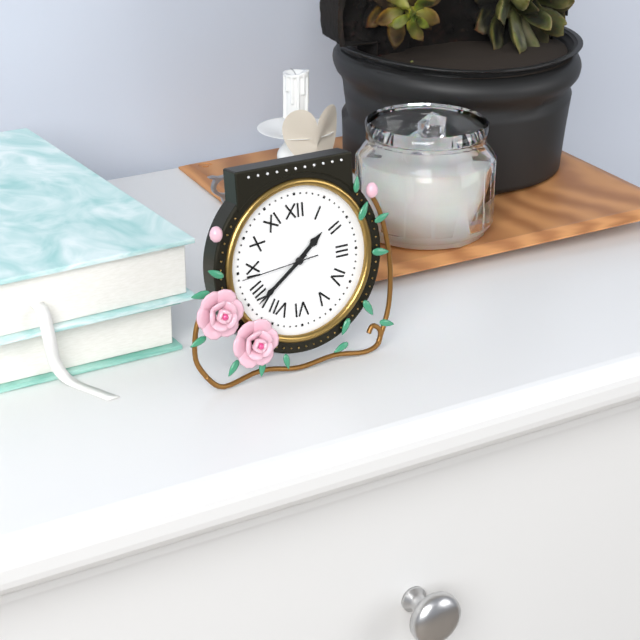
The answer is 1:39:44
